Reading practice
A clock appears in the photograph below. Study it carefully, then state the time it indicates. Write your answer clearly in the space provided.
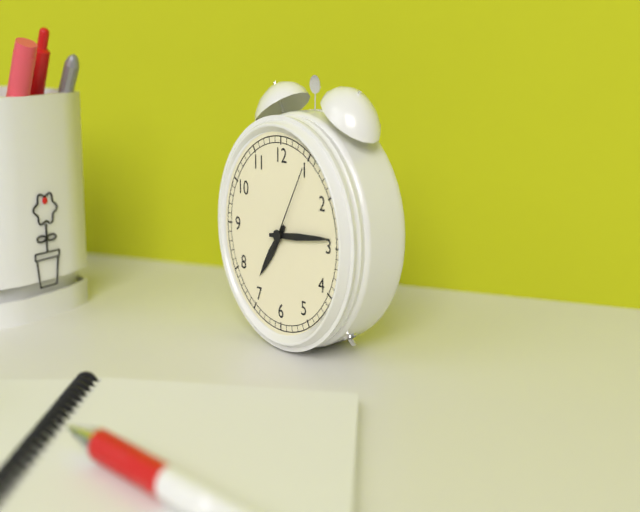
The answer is 7:14:05
